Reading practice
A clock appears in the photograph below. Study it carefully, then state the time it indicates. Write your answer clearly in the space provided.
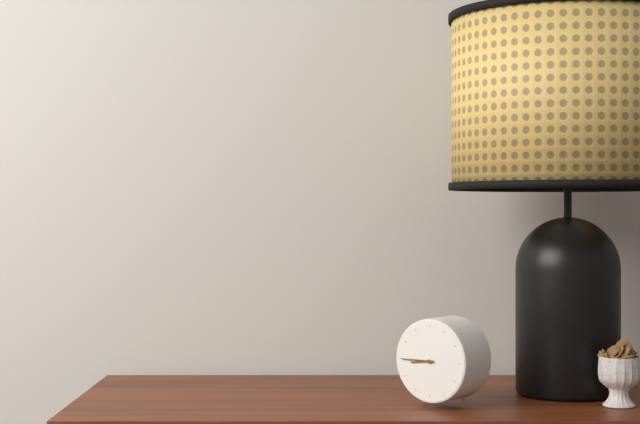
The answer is 8:45
